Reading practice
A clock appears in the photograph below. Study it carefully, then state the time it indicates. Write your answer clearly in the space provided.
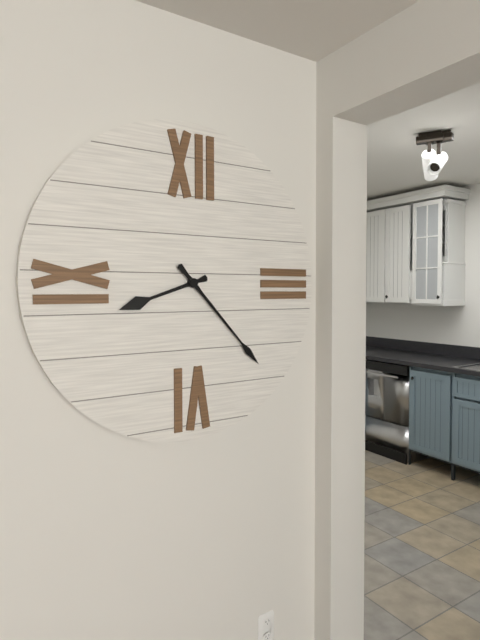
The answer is 8:23
